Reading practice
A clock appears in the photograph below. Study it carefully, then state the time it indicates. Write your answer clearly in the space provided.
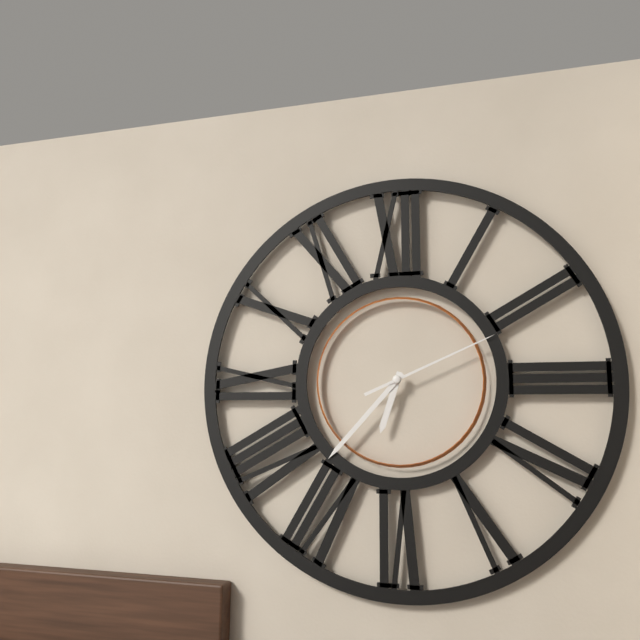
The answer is 6:37:11
